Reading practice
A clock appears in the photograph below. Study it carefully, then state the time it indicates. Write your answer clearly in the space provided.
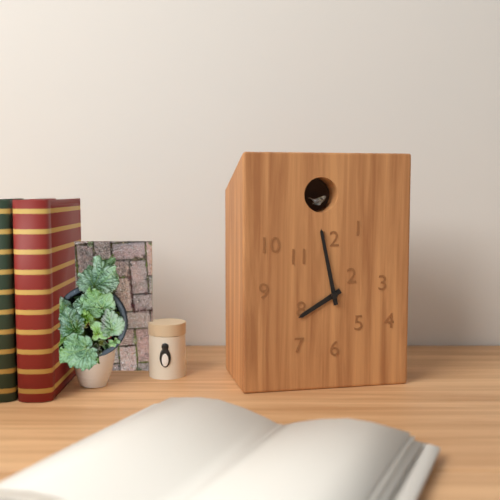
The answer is 7:58
